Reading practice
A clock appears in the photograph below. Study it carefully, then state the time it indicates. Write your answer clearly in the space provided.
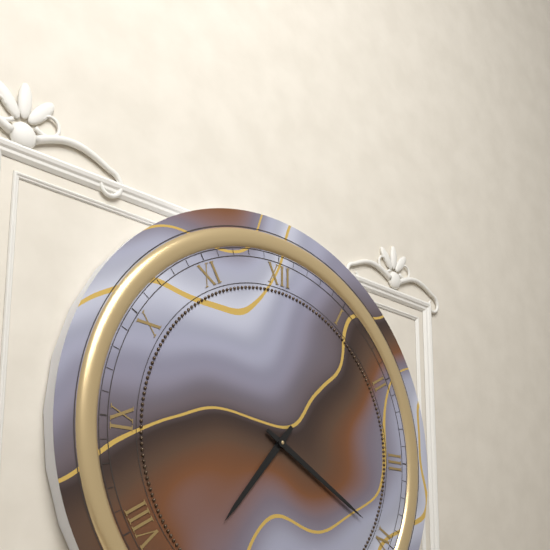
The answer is 7:20
